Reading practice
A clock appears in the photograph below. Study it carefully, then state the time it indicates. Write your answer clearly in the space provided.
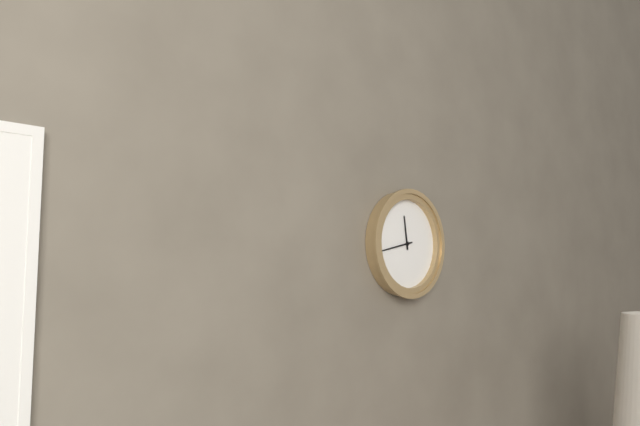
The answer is 11:43
